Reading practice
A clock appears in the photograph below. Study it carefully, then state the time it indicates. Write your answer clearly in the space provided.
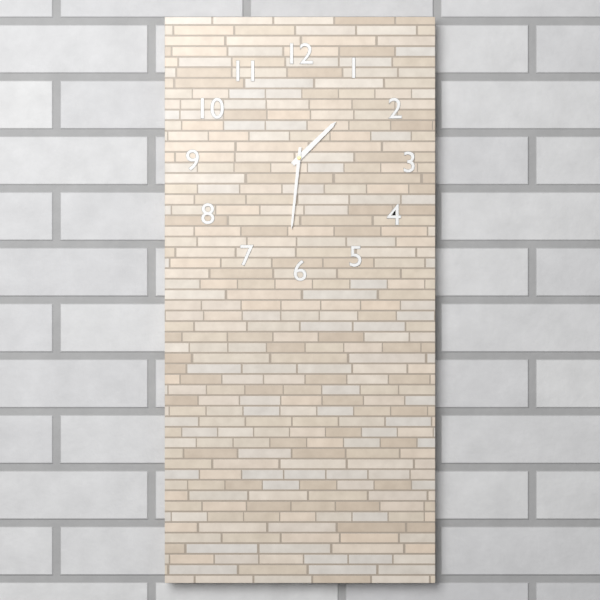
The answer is 1:31
